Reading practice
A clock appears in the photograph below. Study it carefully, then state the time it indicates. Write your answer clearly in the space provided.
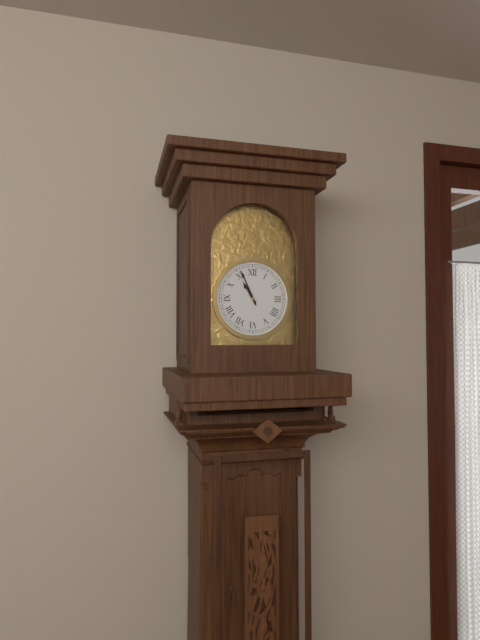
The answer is 10:56
